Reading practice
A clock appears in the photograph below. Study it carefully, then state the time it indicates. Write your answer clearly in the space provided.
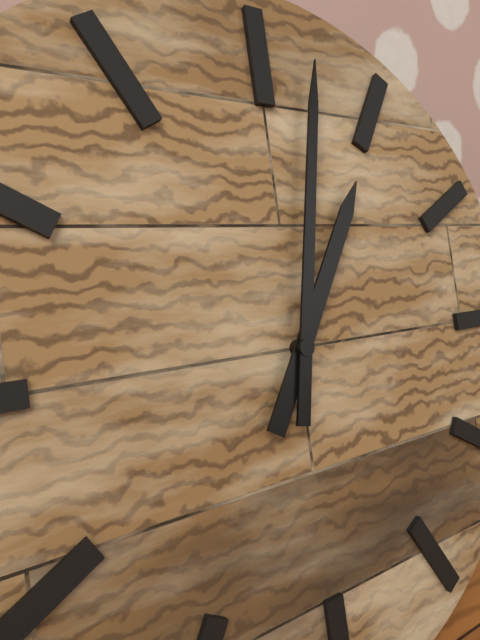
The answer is 1:02
